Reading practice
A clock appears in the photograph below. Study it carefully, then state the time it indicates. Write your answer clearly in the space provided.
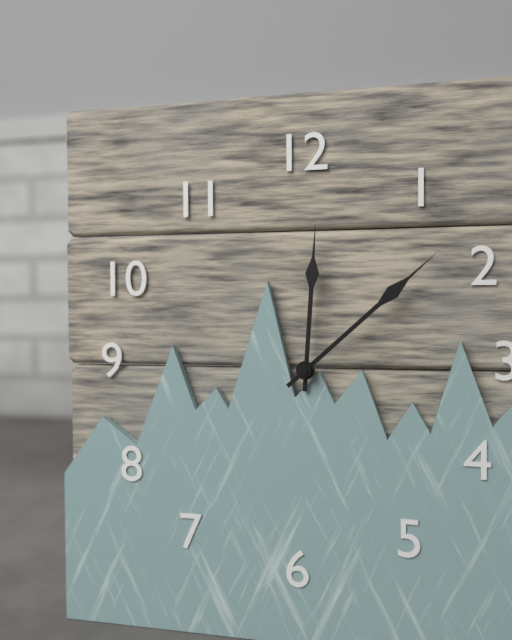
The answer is 12:08
